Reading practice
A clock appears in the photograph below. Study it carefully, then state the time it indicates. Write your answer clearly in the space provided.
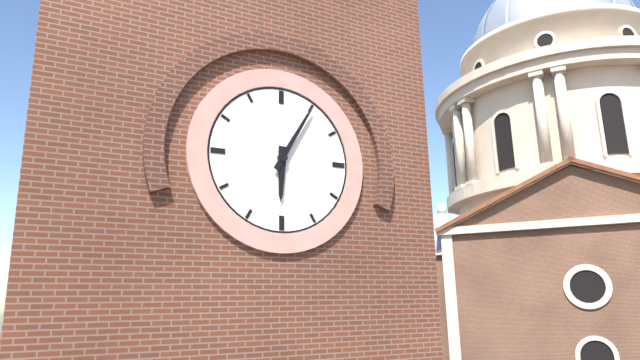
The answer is 6:05
